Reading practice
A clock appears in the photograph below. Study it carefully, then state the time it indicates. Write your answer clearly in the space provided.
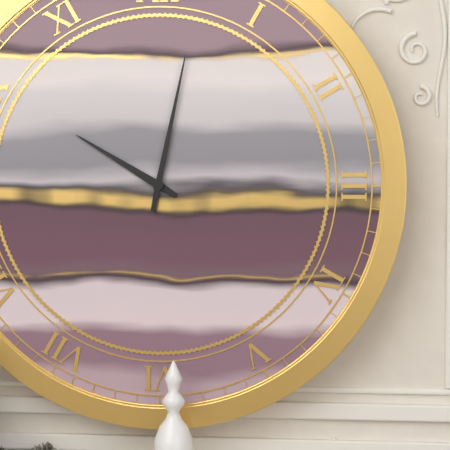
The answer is 10:02
